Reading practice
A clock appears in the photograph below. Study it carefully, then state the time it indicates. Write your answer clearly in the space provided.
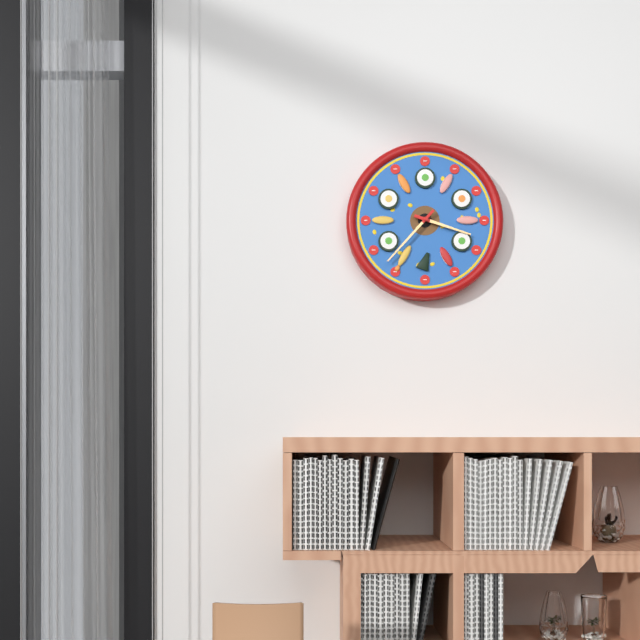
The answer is 3:37
